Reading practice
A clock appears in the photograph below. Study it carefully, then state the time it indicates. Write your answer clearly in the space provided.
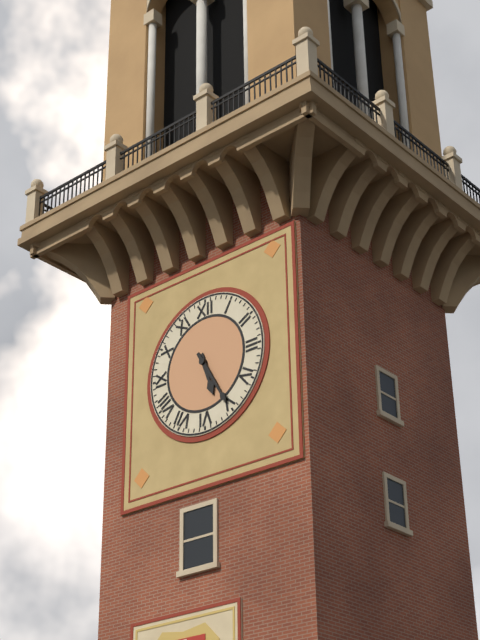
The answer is 5:25
